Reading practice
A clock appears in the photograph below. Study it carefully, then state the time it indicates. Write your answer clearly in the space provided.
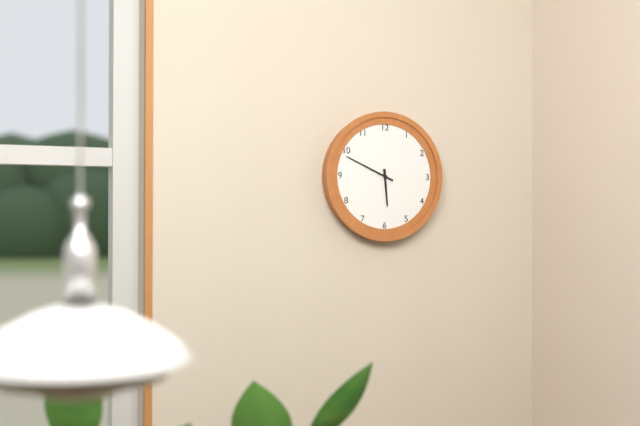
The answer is 5:49
